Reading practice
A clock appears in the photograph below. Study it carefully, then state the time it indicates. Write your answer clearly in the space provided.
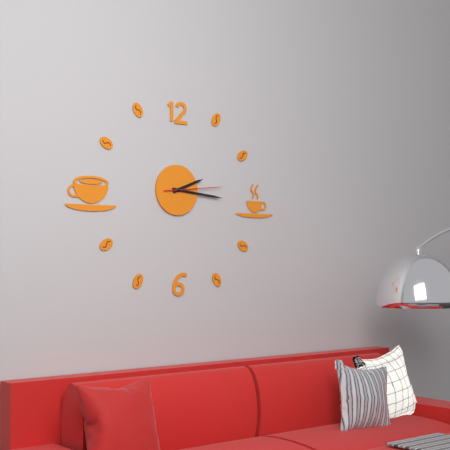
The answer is 2:16:14
